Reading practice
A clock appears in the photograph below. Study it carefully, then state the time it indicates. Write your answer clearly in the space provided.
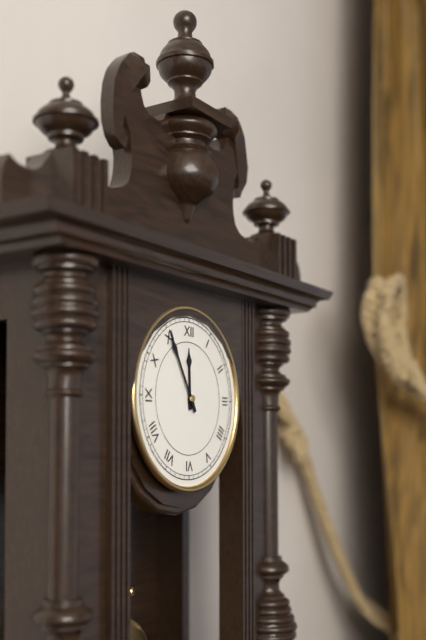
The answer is 11:55
